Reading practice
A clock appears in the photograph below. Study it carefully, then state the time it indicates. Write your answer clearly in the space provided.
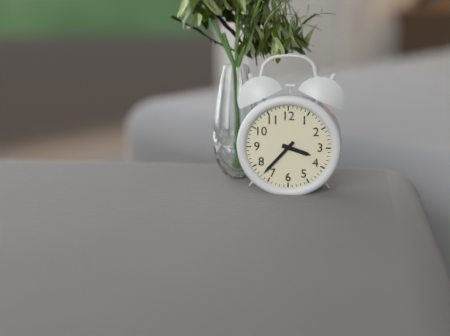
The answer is 3:37
